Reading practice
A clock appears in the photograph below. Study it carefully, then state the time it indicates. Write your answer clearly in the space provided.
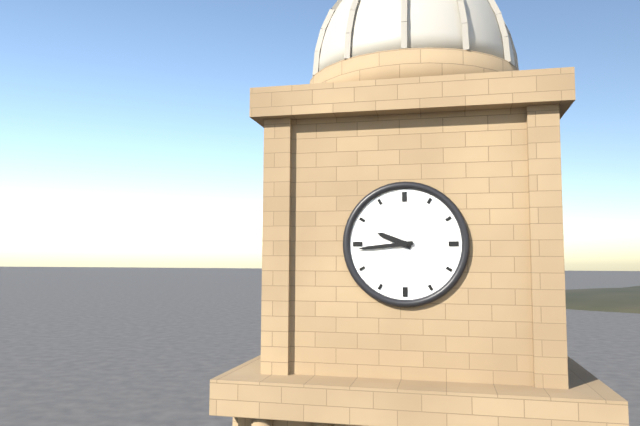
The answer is 9:44
